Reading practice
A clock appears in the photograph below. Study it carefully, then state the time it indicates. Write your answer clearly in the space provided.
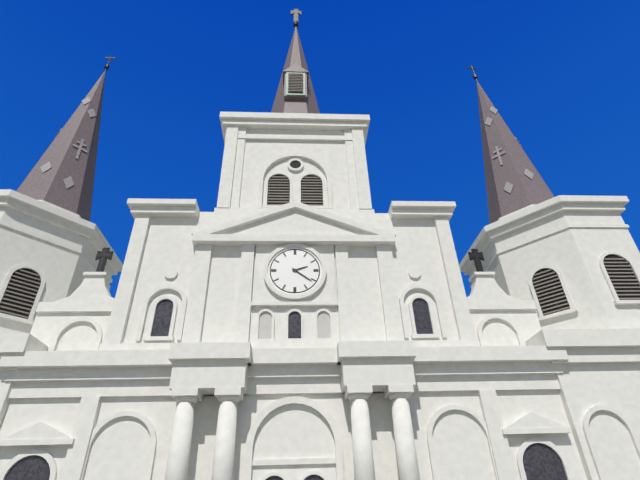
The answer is 2:21
